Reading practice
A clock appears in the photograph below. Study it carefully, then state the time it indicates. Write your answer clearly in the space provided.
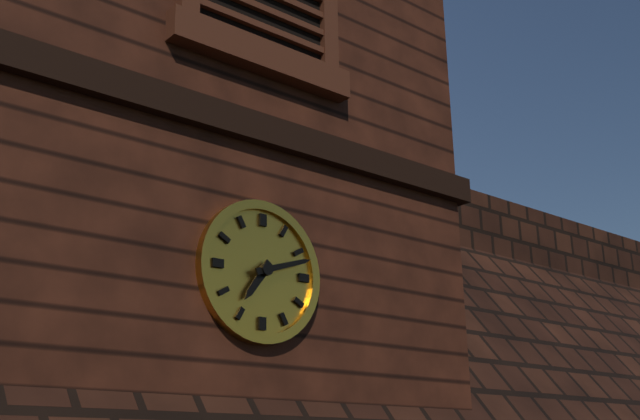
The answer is 7:12
